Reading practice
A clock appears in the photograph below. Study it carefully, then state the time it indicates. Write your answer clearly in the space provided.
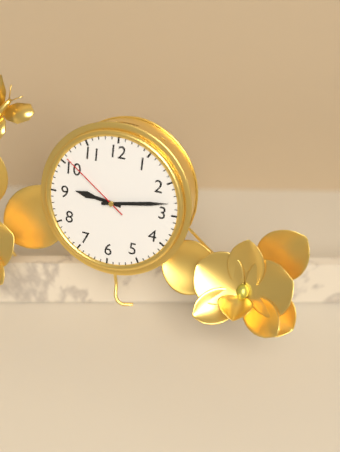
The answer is 9:13:51
